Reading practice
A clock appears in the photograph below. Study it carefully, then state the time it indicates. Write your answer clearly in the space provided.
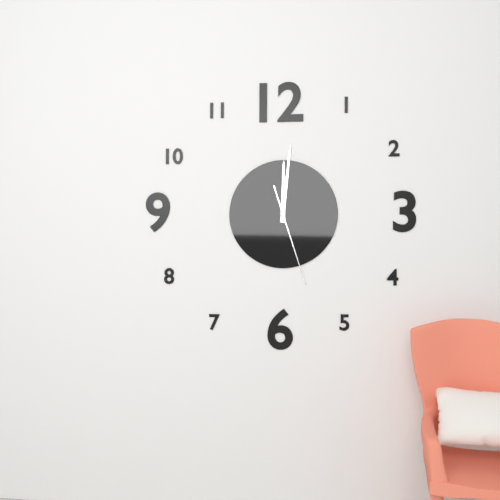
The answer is 12:01:27
